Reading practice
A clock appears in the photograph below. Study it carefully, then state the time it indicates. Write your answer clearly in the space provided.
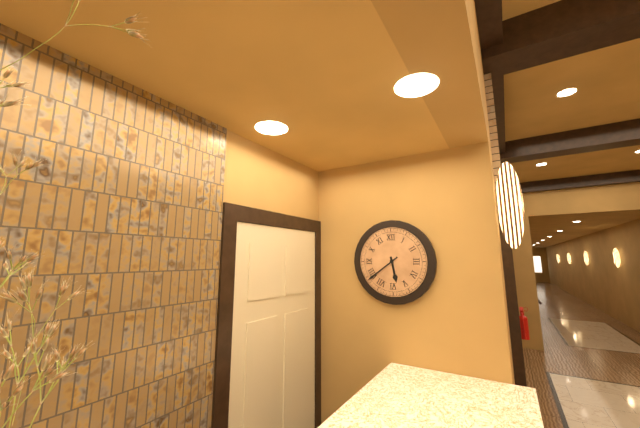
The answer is 5:39
